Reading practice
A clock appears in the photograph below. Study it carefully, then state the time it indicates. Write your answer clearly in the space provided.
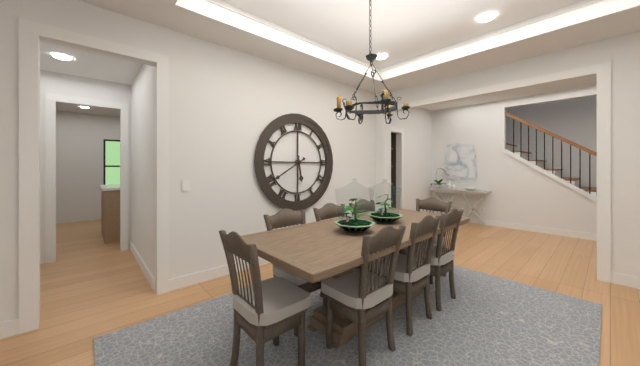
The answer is 5:40
